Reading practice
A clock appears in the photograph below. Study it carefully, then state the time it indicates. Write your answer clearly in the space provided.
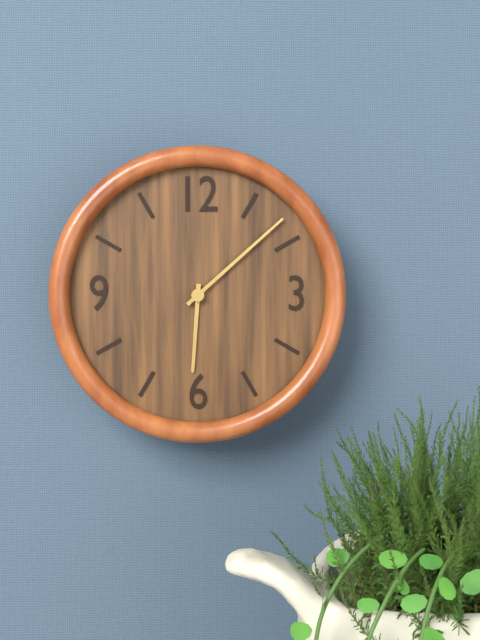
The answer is 6:08
